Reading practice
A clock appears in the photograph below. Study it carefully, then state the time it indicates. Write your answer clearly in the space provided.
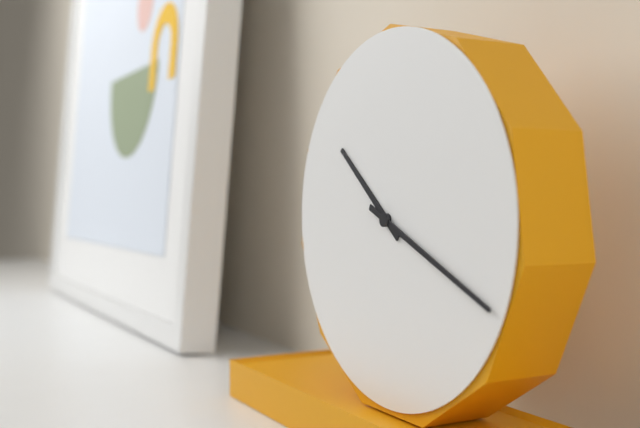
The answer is 10:19
